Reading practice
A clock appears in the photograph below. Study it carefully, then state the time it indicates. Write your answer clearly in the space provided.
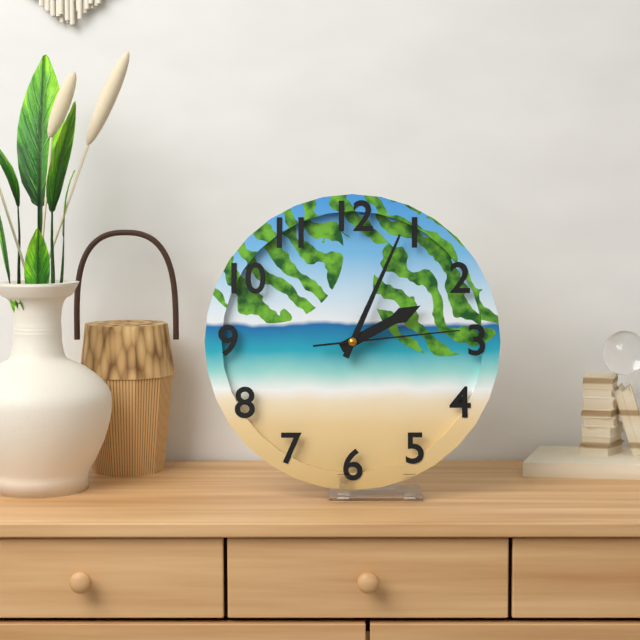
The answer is 2:04:14
